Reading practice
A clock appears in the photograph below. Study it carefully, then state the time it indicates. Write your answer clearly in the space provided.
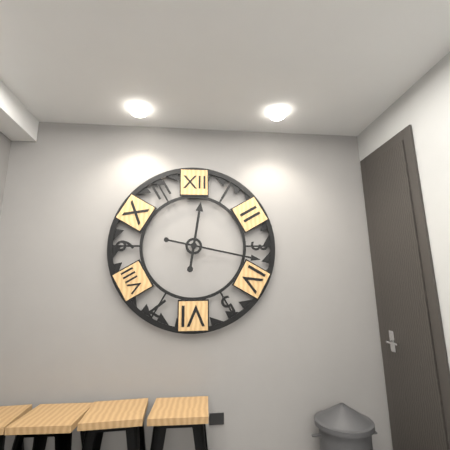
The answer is 12:17
